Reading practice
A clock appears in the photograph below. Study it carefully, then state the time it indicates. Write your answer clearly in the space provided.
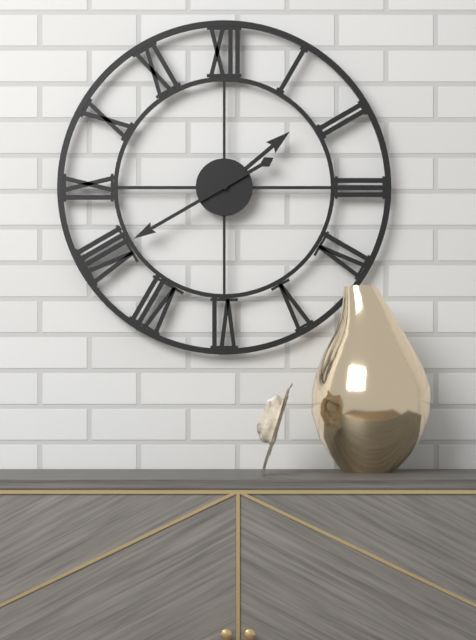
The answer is 1:40
